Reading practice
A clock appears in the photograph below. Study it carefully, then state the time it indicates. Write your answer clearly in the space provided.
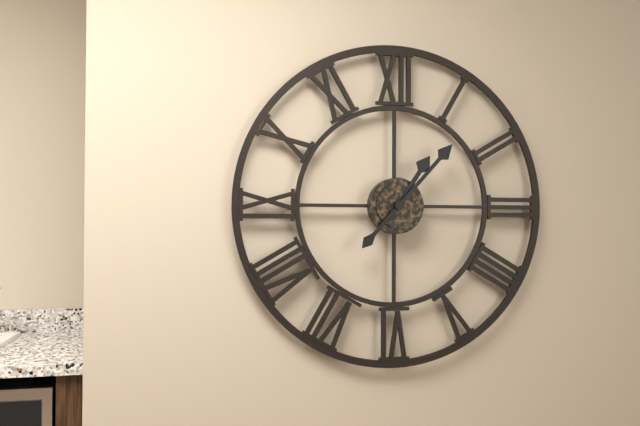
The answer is 1:07
